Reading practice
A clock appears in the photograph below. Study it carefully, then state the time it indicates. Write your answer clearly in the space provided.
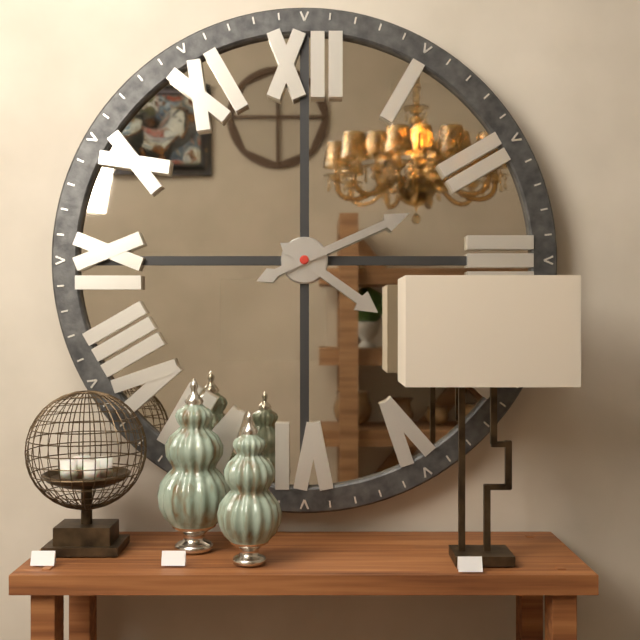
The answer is 4:11
